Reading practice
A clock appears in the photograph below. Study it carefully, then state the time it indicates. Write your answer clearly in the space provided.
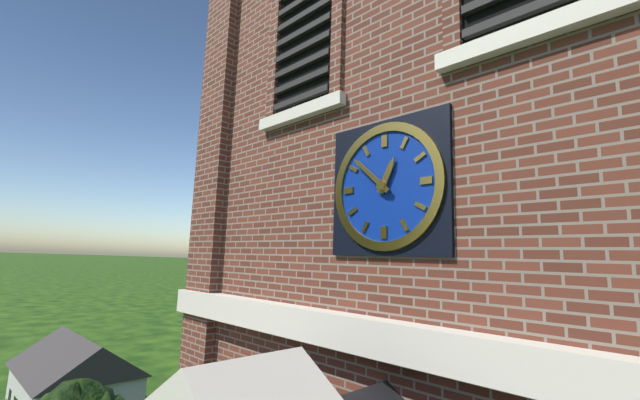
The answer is 12:52
